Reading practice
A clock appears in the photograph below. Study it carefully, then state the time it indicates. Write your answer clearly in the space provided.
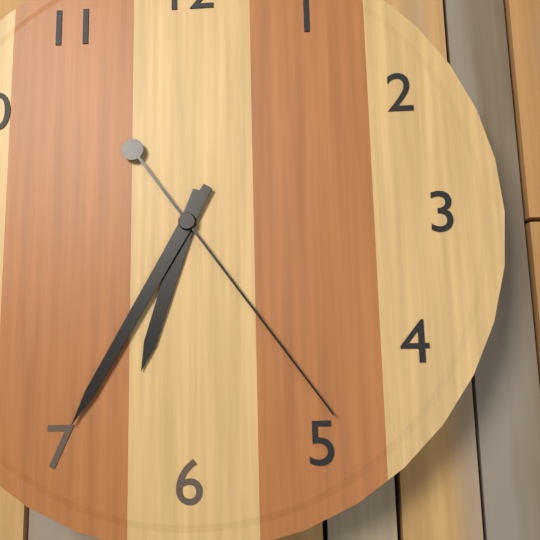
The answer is 6:35:24
